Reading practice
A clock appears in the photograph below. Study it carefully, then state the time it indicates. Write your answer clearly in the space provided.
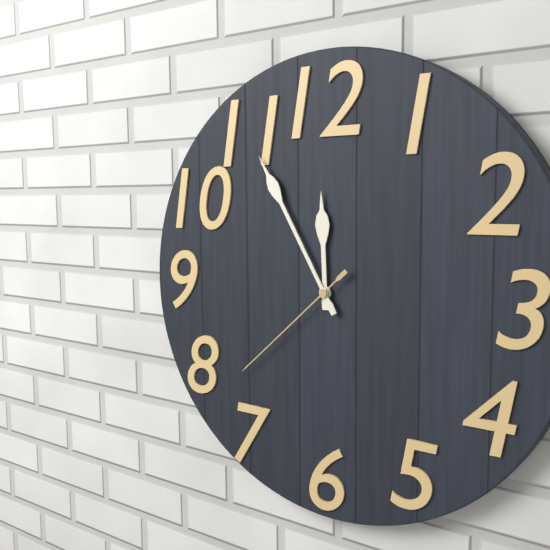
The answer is 11:55:38
